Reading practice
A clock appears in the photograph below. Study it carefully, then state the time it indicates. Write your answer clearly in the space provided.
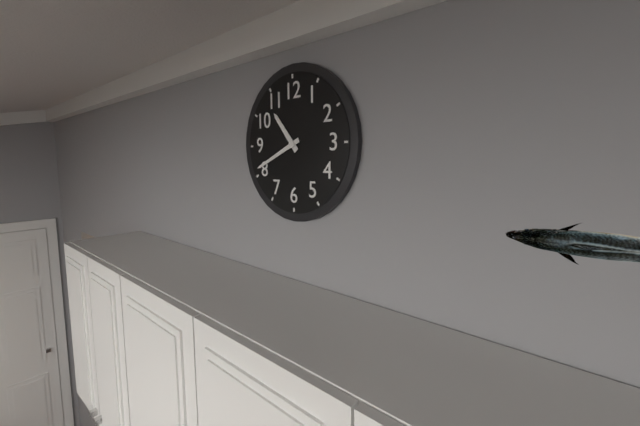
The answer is 10:41
